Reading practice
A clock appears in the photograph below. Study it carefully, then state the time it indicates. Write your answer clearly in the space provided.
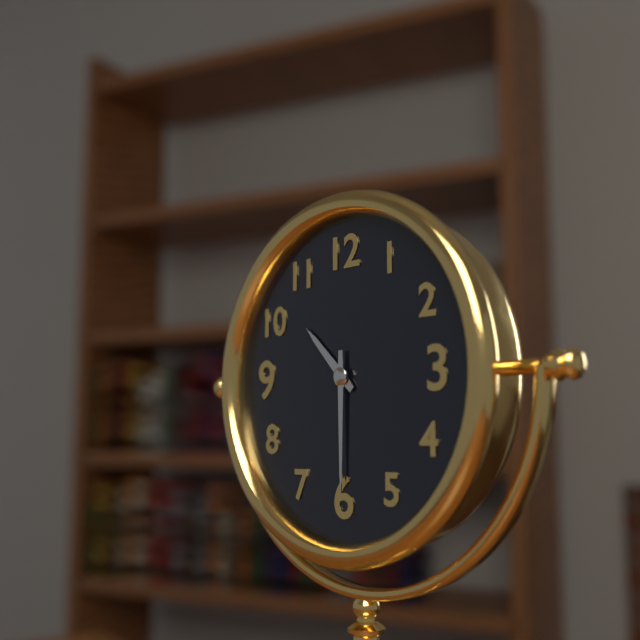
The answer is 10:30
